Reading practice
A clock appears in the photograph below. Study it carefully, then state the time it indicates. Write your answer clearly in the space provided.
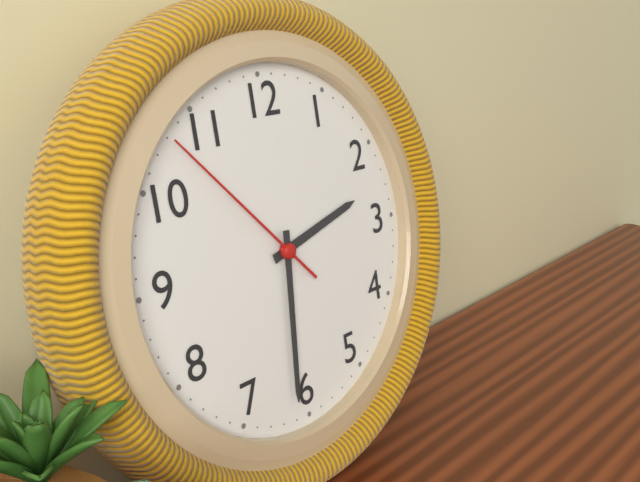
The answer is 2:31:53
